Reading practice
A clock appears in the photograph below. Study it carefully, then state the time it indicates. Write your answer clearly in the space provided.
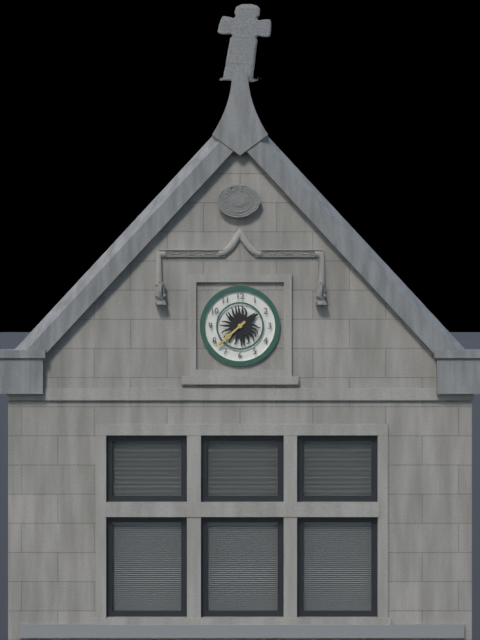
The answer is 7:38
